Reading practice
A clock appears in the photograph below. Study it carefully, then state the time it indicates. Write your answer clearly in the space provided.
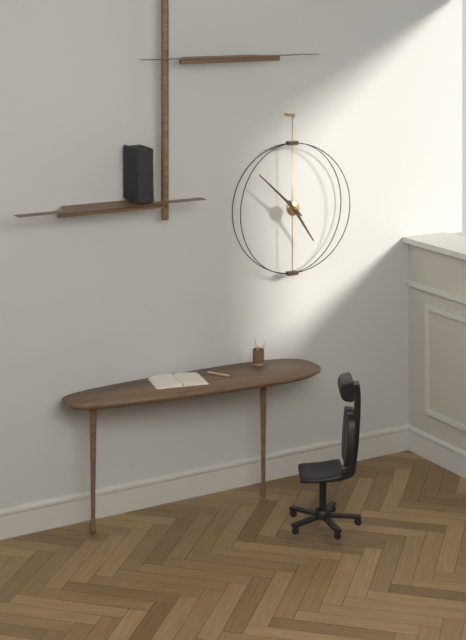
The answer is 4:52
